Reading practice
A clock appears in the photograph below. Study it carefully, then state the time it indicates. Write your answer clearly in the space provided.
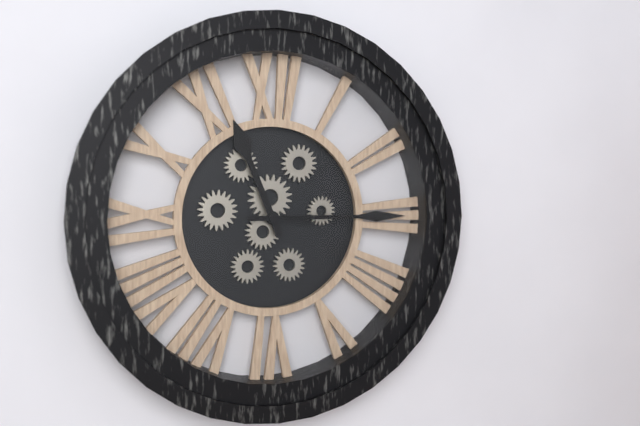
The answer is 11:15
